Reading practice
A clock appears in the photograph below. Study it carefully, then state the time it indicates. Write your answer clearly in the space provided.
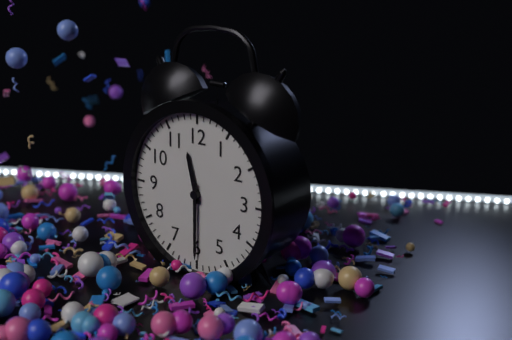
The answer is 11:30
